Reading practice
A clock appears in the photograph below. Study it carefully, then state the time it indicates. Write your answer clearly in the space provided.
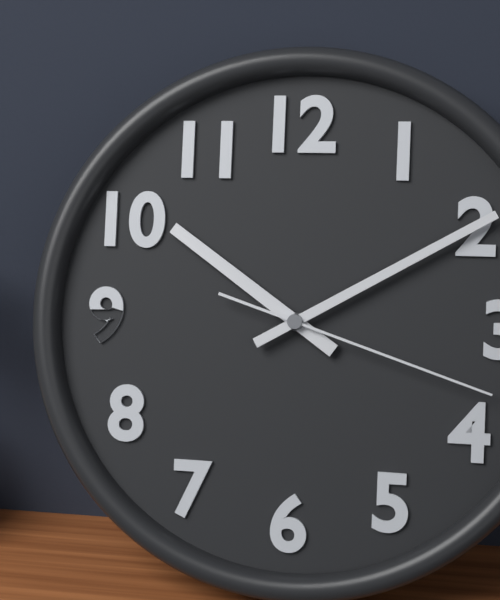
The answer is 10:10:18
